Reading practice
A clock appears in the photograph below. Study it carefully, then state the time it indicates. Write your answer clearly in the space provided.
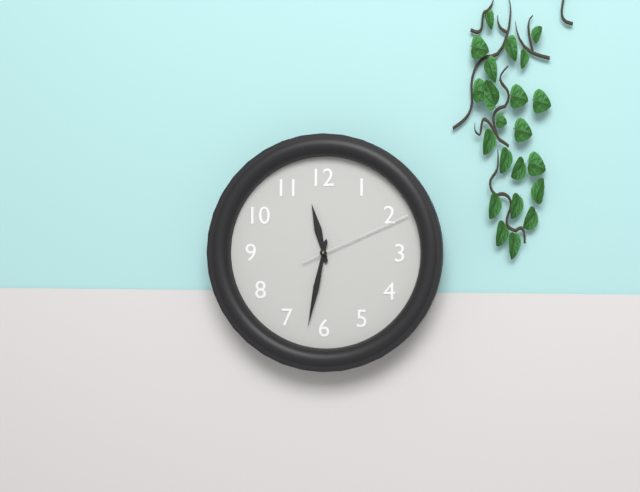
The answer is 11:32:11
